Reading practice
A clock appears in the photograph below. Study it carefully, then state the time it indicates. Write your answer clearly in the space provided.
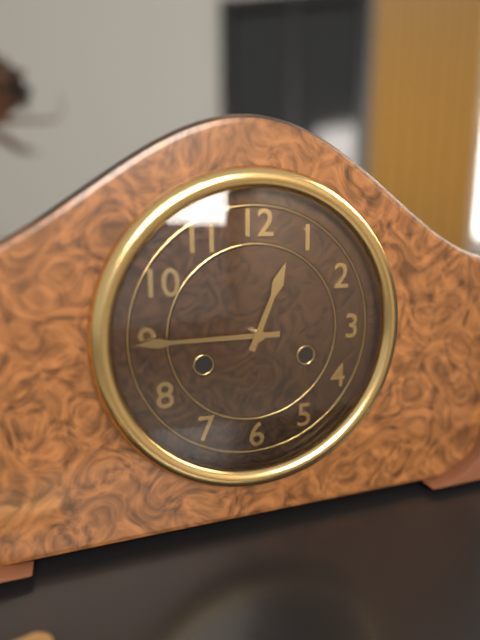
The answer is 12:45
